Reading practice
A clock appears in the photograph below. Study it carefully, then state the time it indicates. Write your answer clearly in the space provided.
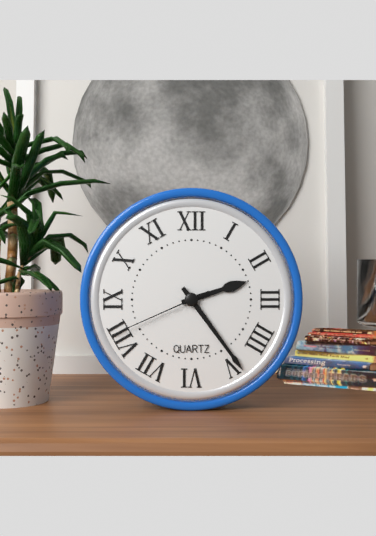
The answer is 2:24:41
